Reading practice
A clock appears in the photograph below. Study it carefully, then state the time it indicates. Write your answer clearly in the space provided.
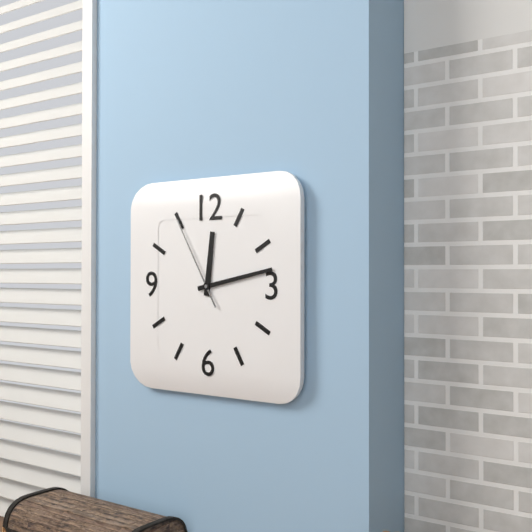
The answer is 12:13:55
